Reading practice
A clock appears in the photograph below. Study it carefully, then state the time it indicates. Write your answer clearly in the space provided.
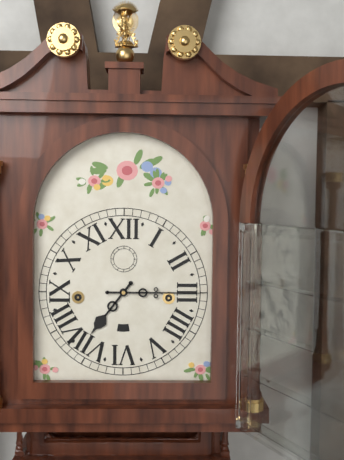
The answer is 7:15
